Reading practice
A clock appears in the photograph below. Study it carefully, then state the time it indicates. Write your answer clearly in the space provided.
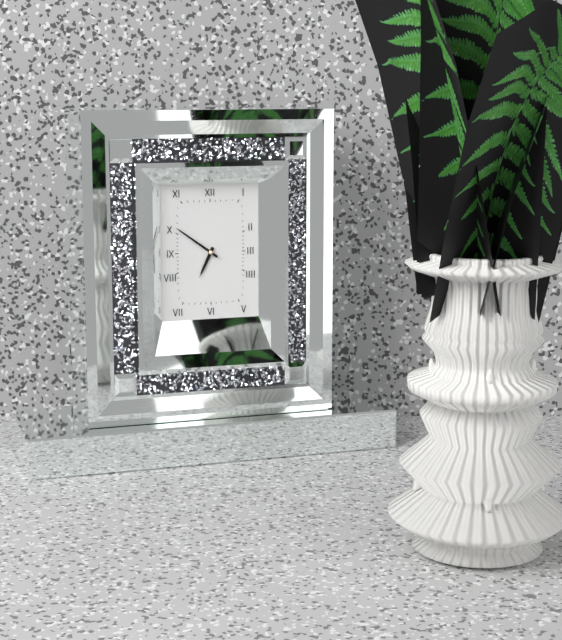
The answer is 6:51
